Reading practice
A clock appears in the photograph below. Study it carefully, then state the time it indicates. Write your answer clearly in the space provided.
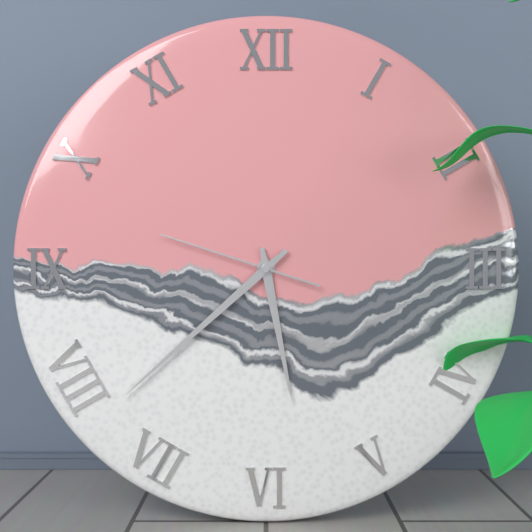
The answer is 5:38:48
